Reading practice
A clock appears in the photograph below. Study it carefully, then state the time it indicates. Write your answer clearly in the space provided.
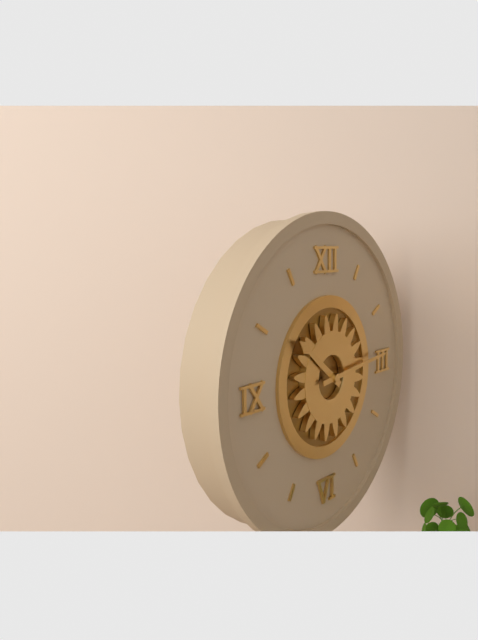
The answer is 10:14
